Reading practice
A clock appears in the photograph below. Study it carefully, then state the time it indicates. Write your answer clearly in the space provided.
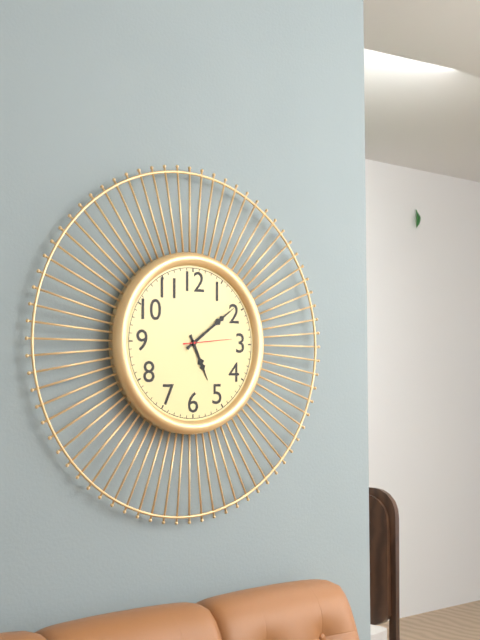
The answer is 5:09:14
